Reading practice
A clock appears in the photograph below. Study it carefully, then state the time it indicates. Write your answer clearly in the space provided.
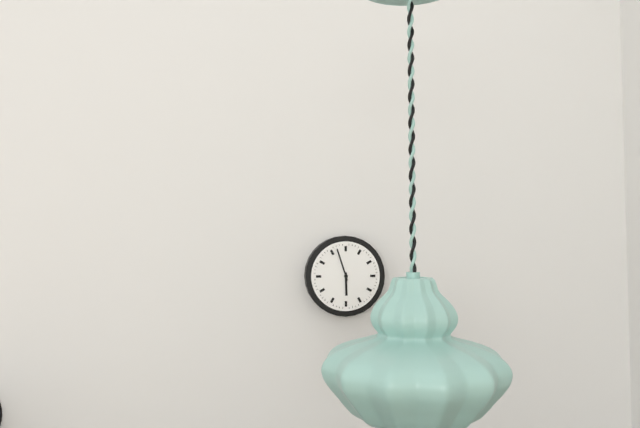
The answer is 5:57
